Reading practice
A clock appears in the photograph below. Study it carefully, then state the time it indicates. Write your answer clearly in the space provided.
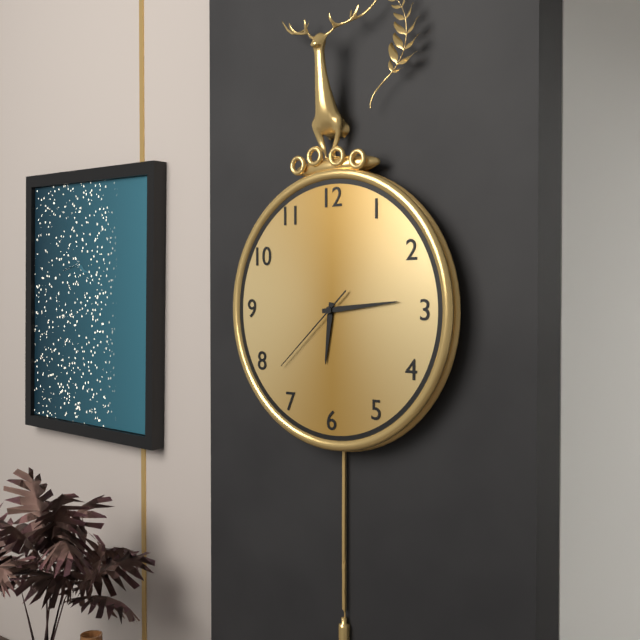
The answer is 6:14:38
